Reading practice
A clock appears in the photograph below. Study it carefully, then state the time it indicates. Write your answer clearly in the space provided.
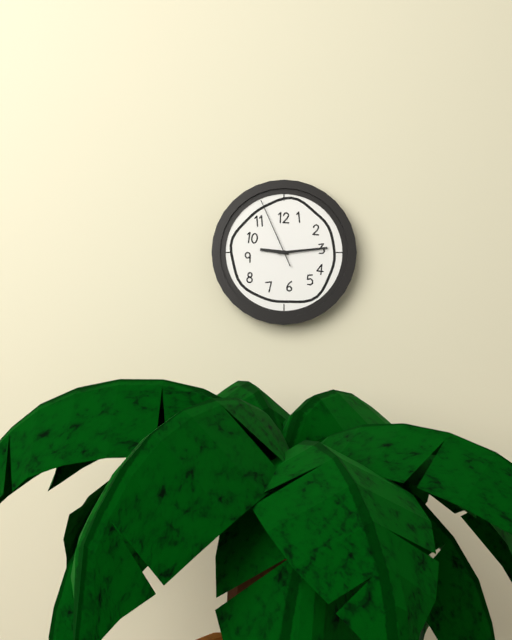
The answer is 9:14:56
